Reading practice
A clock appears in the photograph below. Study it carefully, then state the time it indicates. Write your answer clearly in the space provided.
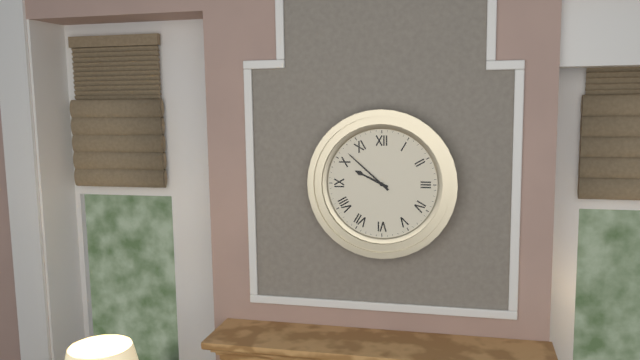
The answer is 9:52
